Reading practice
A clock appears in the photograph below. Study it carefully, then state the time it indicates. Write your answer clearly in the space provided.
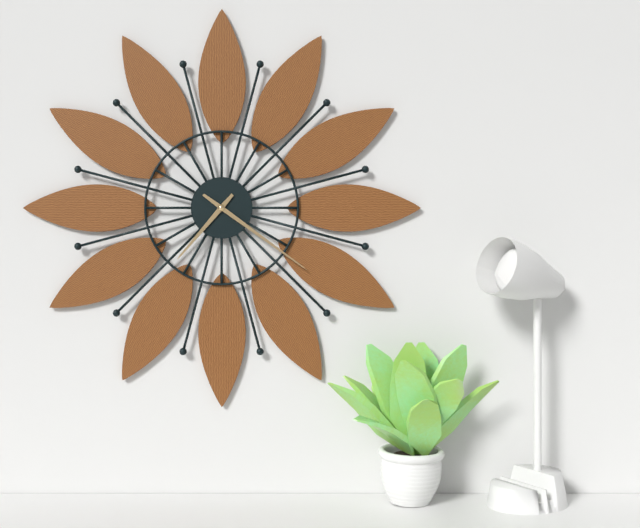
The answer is 7:21
